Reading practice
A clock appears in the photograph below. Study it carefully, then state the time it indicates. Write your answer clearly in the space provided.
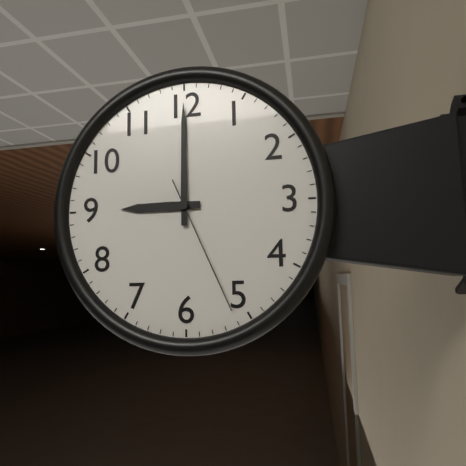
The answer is 9:00:26
